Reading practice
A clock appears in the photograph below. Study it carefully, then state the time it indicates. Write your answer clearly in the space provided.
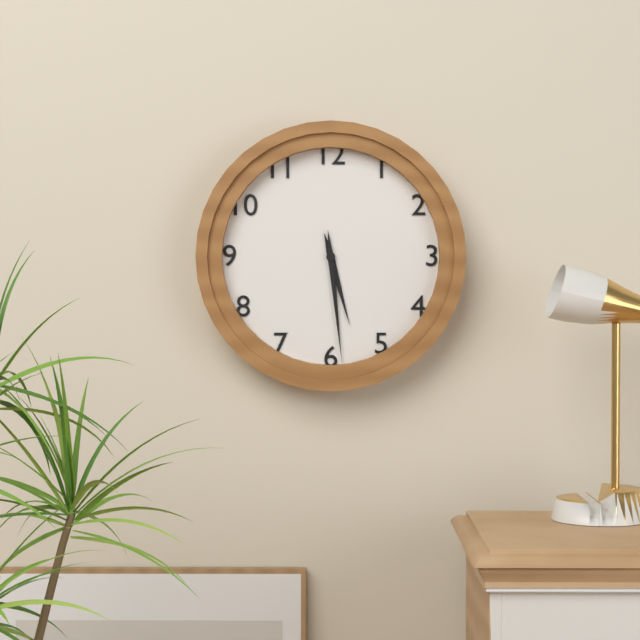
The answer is 5:29
